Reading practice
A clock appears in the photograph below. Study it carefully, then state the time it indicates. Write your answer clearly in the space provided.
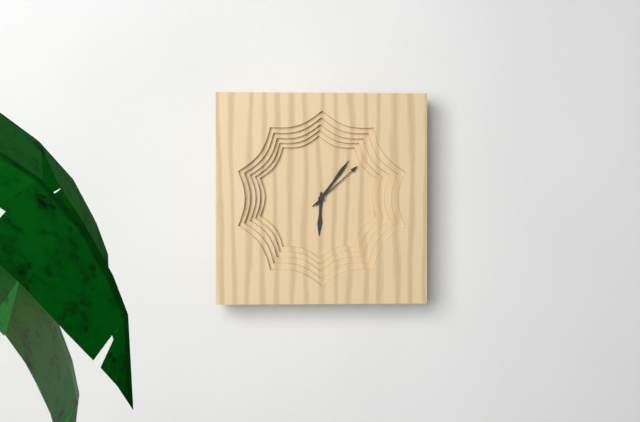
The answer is 6:06:08
